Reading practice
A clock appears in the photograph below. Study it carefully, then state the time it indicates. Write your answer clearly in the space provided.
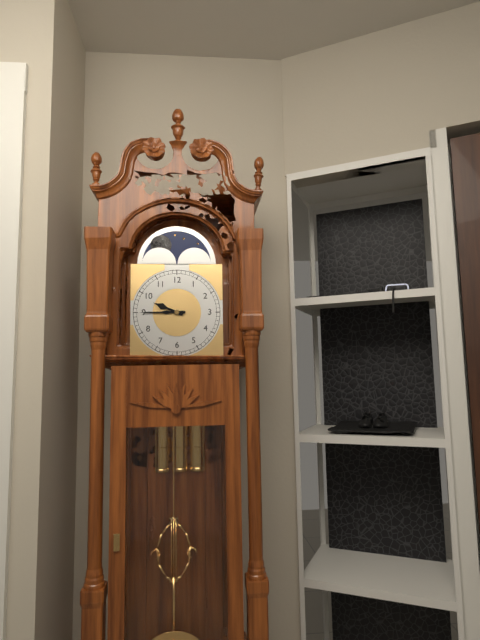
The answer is 9:45
